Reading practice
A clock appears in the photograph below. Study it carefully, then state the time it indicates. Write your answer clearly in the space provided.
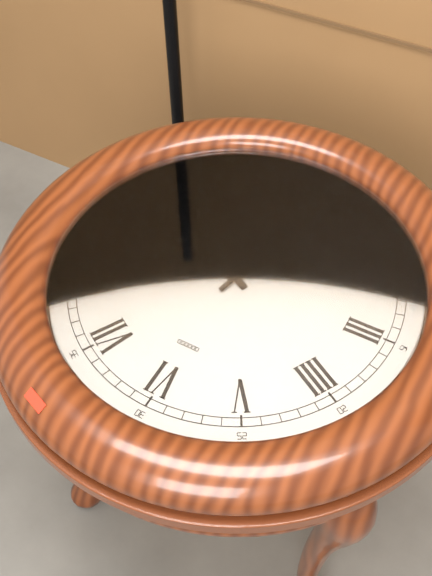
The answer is 10:02
